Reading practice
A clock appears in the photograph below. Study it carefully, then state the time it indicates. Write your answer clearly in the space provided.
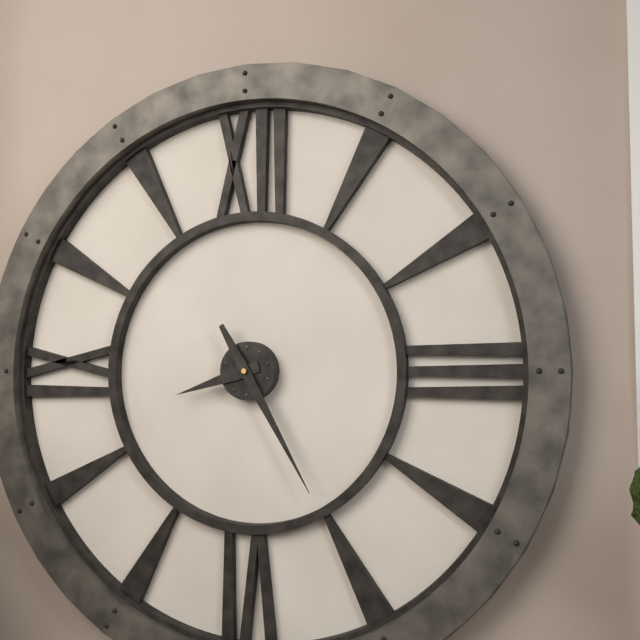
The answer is 8:25
